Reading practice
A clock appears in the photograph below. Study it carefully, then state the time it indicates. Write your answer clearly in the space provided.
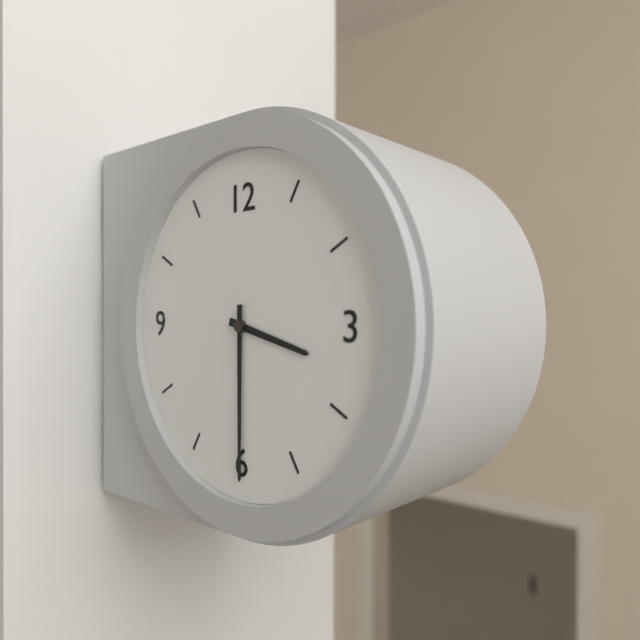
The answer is 3:30
